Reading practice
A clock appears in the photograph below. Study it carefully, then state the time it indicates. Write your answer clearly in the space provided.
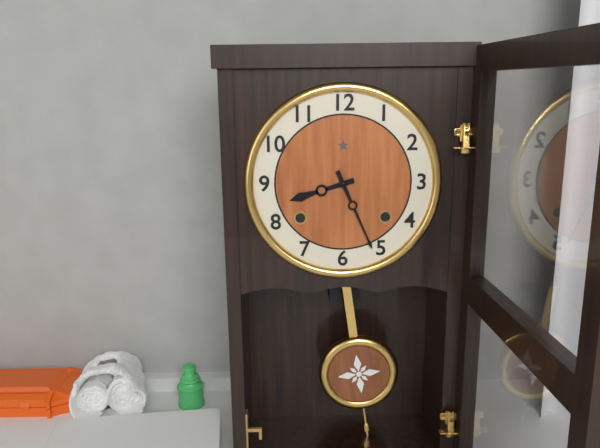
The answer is 8:26
